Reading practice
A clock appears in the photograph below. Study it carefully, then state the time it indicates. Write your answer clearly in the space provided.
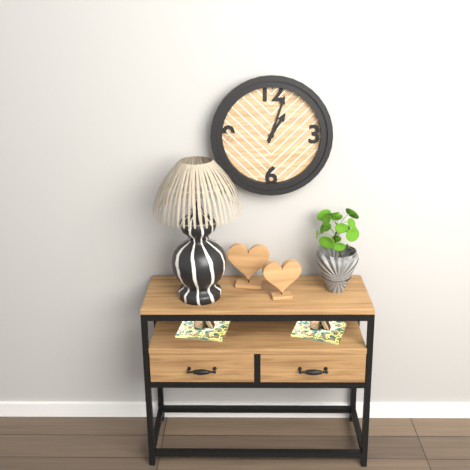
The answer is 1:03
